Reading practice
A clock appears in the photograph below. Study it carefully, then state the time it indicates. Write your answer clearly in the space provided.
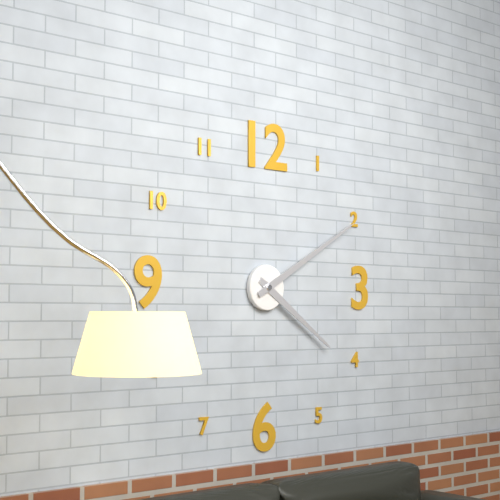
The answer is 4:10
